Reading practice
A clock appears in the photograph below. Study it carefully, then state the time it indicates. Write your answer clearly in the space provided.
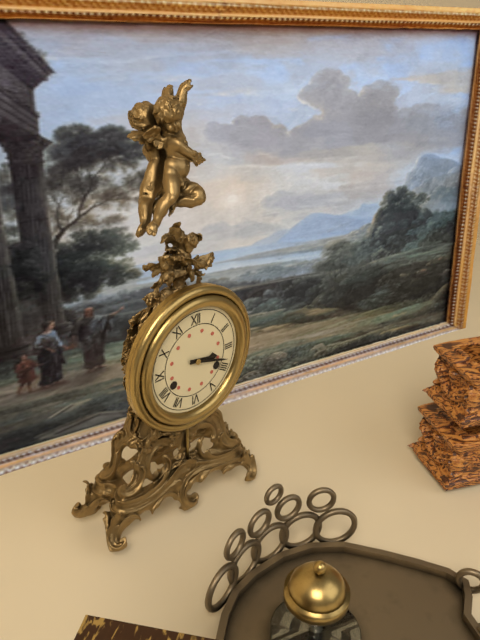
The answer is 3:18
